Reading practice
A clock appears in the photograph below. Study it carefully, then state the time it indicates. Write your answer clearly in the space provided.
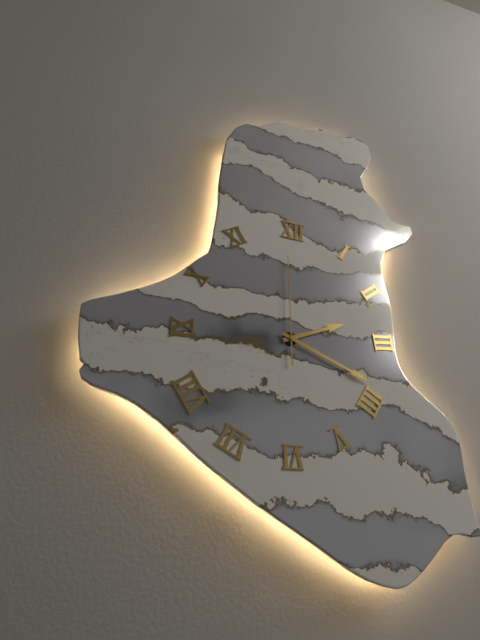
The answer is 2:19:00
